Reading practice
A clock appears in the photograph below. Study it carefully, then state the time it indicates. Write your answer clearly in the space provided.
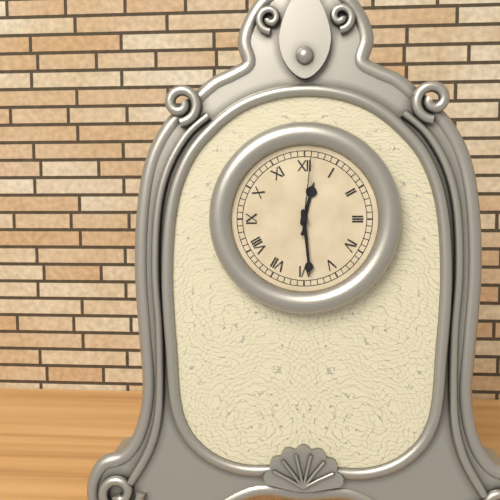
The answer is 12:29:01
